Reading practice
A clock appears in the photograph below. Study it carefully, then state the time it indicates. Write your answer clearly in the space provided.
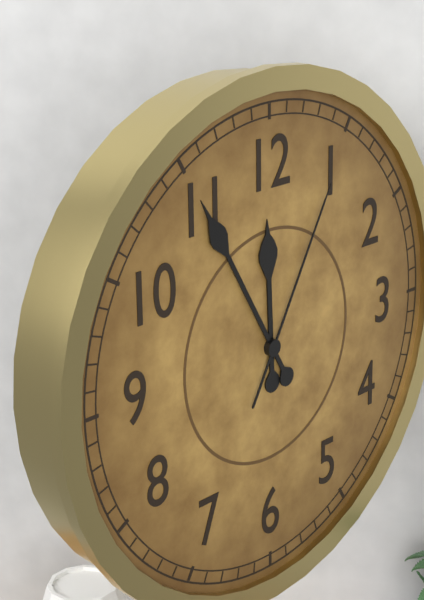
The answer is 11:55:05
